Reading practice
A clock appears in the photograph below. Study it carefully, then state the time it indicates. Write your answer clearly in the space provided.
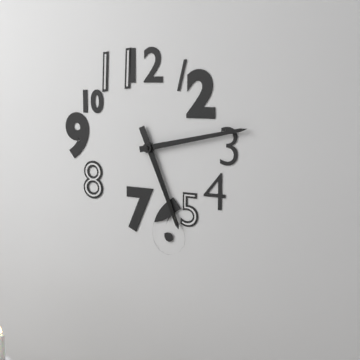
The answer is 5:13
